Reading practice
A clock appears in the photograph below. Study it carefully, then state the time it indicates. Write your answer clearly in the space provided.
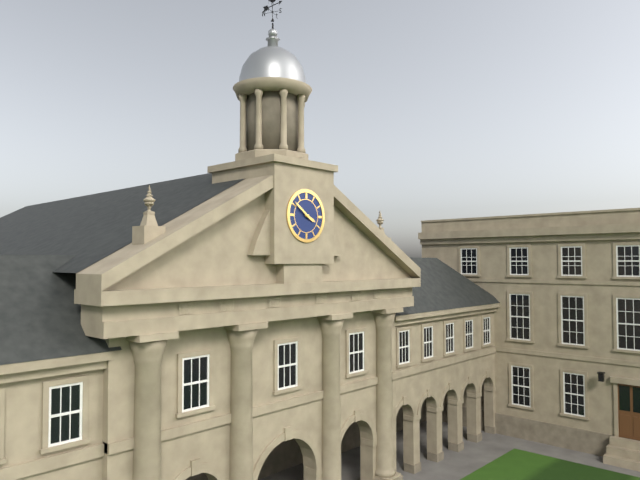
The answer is 3:51
